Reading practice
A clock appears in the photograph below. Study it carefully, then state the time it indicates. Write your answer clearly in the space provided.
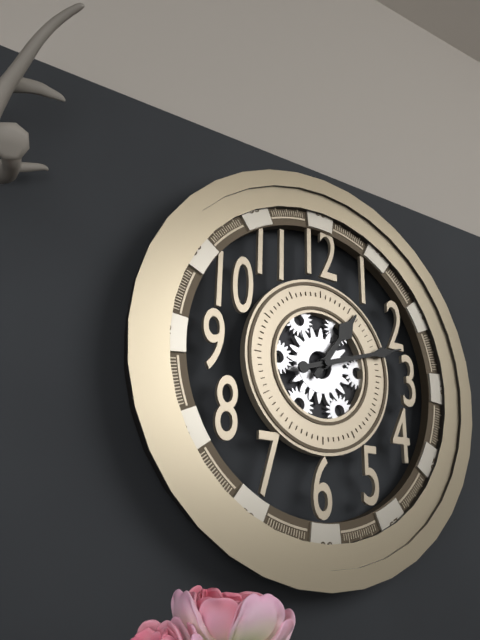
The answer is 1:12
